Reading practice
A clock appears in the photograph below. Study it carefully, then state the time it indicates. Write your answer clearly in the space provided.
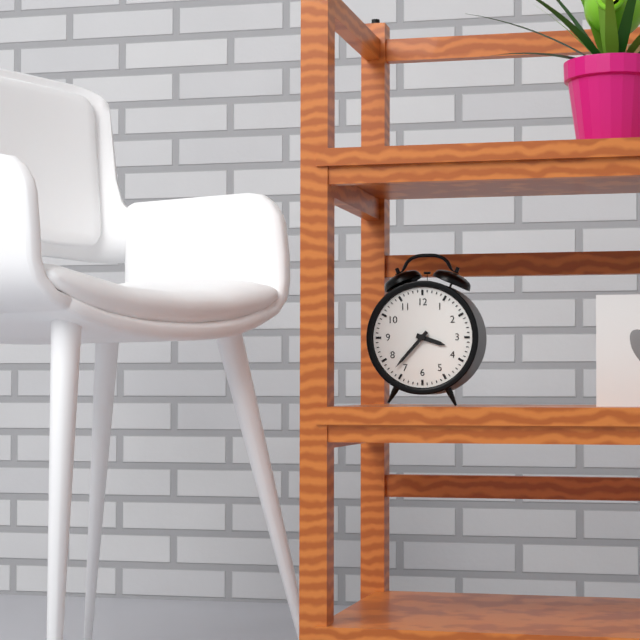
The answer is 3:37
